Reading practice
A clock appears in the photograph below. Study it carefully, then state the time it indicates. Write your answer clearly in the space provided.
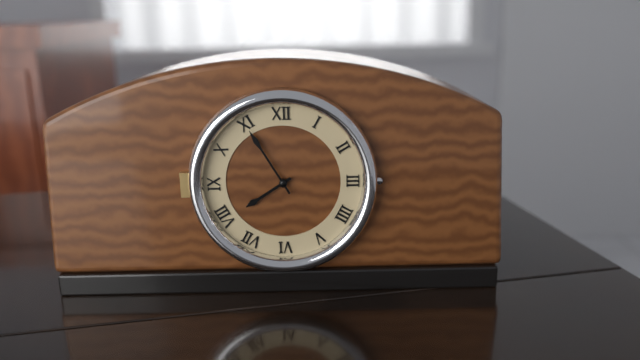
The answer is 7:55
